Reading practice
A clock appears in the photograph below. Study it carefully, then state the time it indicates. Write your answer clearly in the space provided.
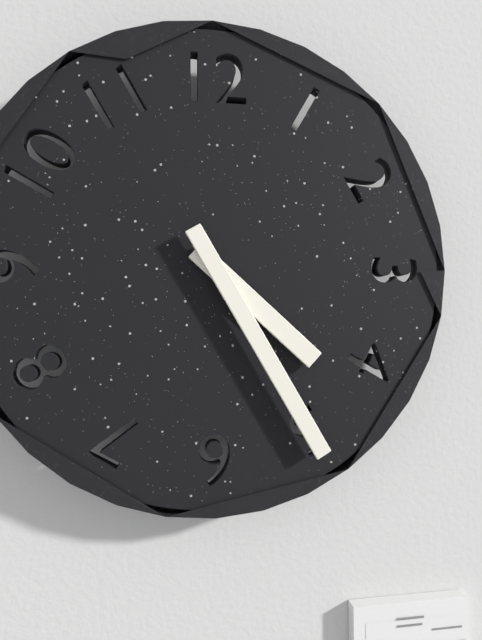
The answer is 4:25
